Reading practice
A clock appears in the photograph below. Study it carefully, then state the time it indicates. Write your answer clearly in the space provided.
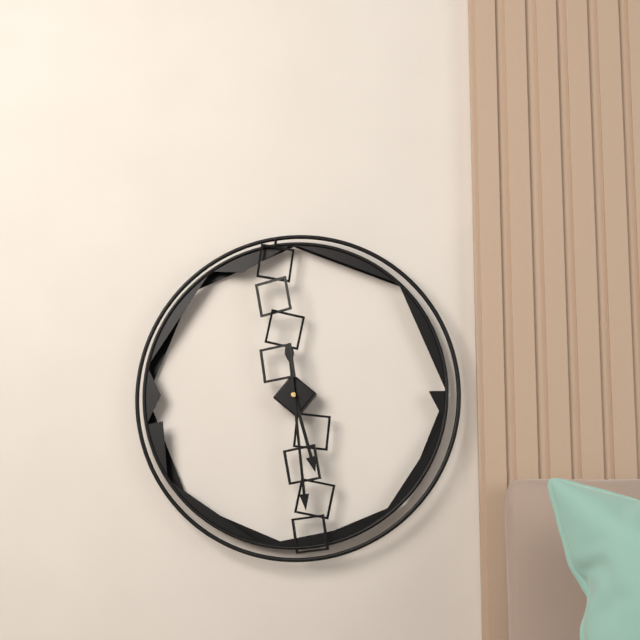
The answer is 5:29
